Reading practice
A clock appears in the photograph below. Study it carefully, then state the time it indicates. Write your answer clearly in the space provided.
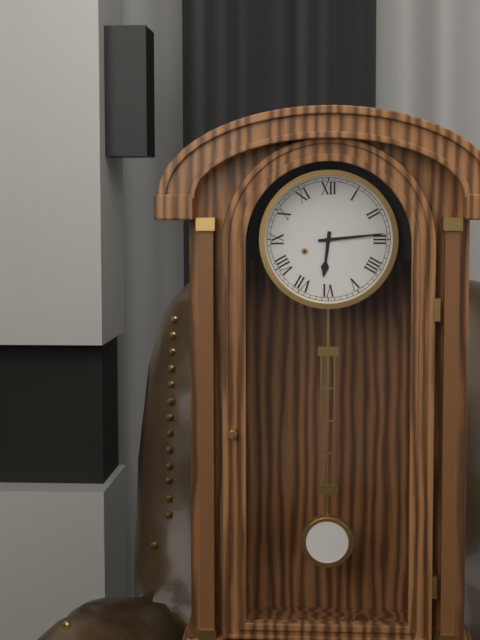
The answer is 6:14
